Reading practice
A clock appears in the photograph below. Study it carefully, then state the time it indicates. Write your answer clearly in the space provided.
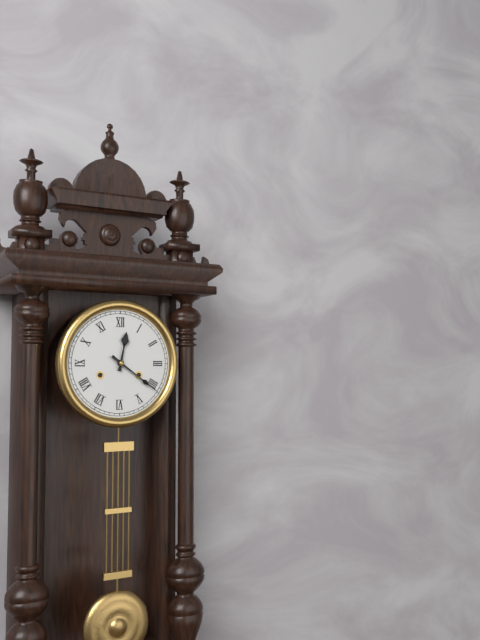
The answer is 12:21
